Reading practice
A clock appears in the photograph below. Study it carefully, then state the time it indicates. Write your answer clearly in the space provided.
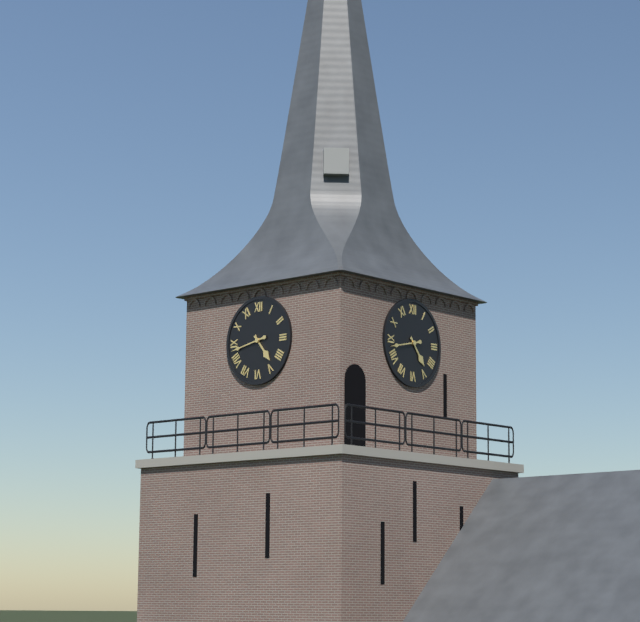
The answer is 4:43
